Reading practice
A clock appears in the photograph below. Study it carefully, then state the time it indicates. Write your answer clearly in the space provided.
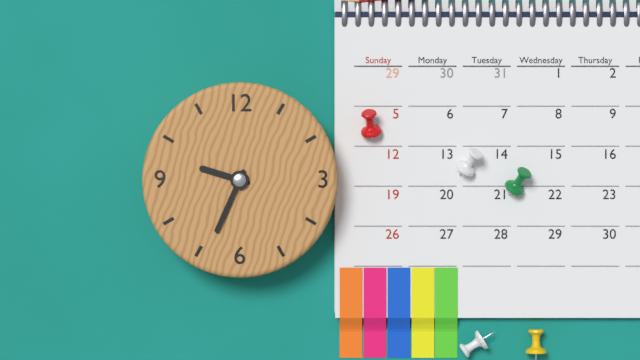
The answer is 9:34
